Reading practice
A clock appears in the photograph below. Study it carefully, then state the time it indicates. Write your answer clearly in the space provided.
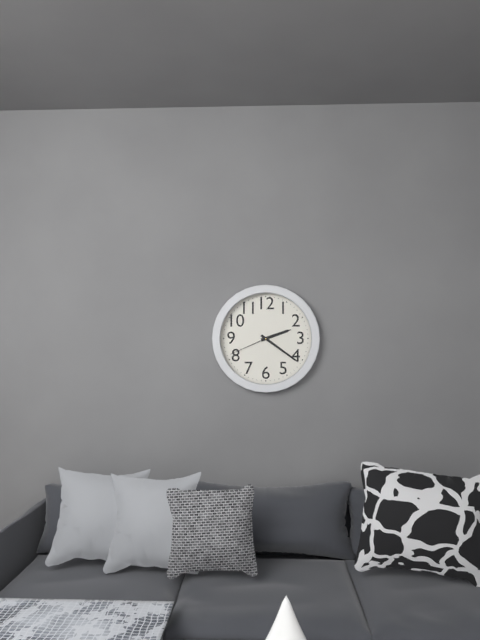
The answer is 2:21
